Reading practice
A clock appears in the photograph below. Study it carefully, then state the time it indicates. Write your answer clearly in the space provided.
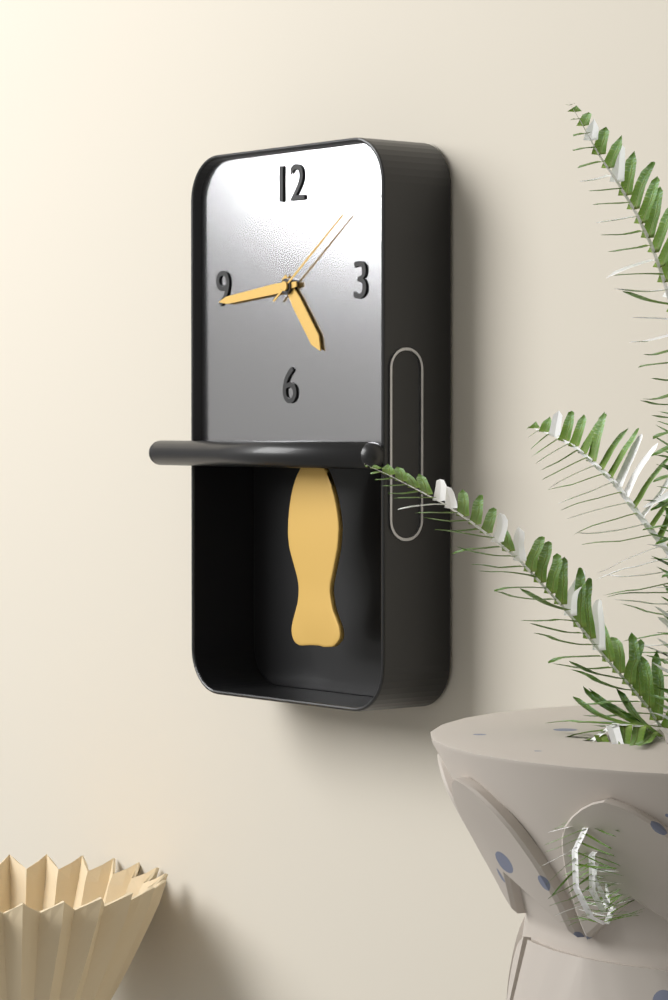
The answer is 4:44:09
